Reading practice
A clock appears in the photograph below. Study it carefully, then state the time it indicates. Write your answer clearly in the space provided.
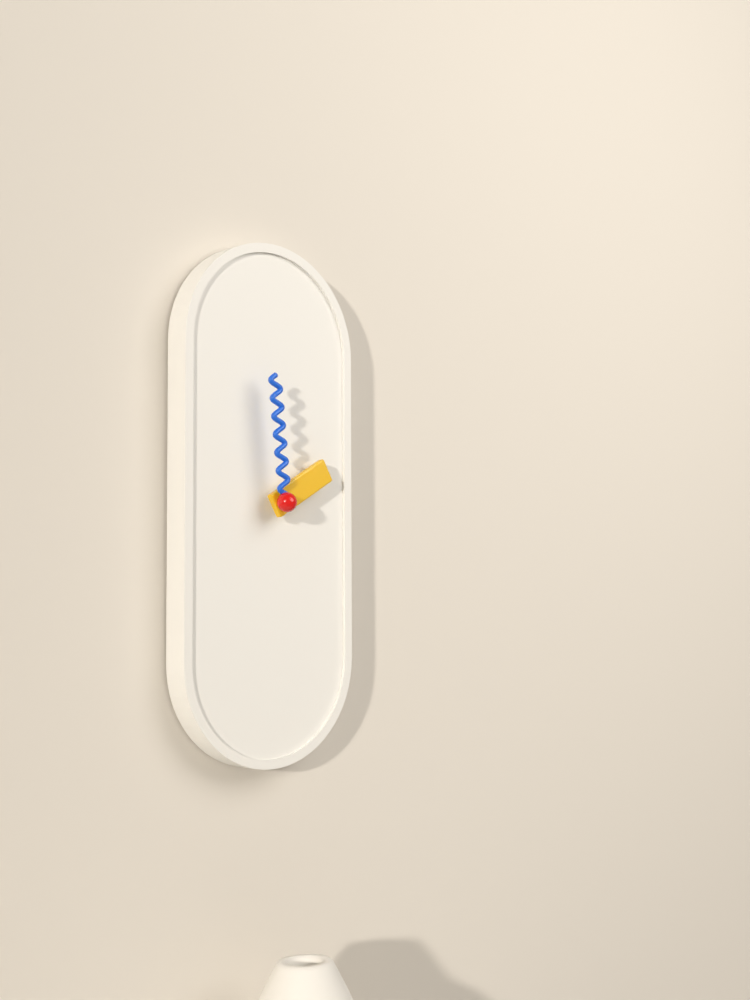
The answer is 1:59
